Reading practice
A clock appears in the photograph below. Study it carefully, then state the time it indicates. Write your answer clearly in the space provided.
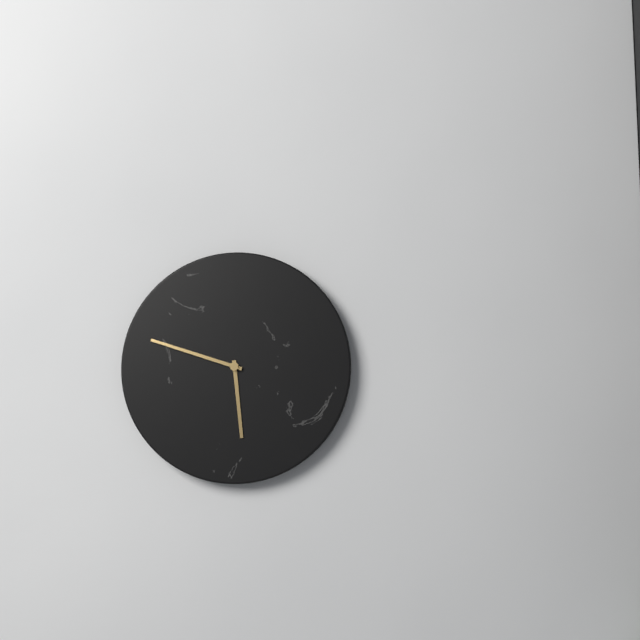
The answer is 5:48
